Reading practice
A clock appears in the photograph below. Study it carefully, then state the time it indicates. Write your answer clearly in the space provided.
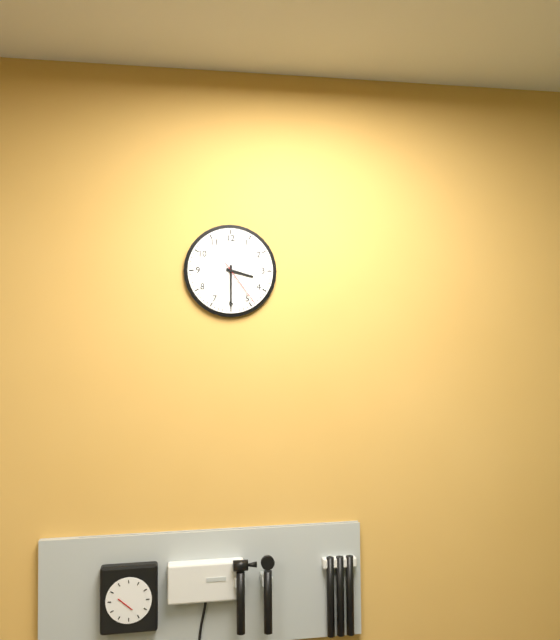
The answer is 3:30
